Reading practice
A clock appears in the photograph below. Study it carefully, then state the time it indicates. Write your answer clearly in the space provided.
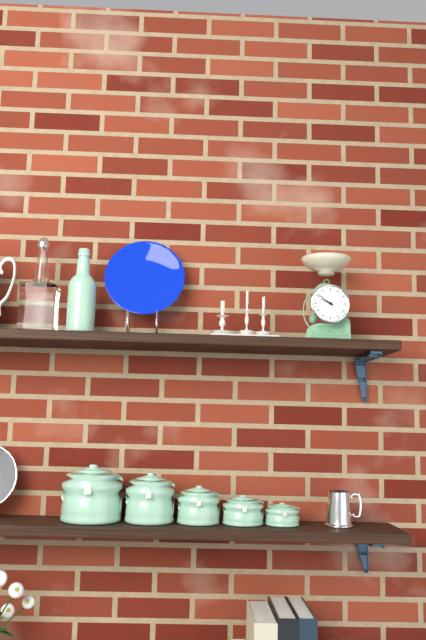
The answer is 9:51
